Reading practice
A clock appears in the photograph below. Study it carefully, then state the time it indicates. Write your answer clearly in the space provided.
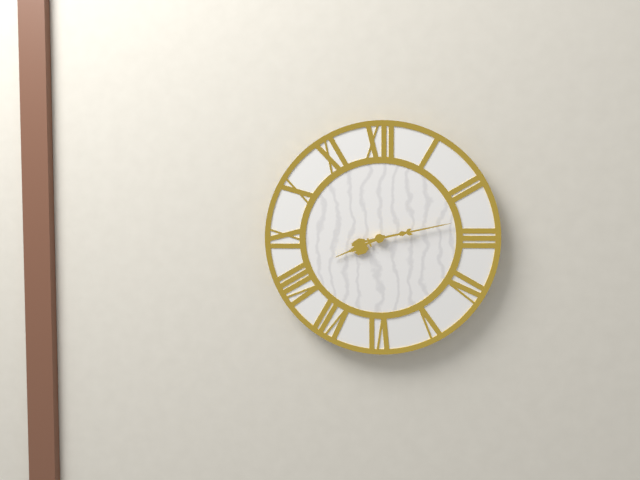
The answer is 8:13
